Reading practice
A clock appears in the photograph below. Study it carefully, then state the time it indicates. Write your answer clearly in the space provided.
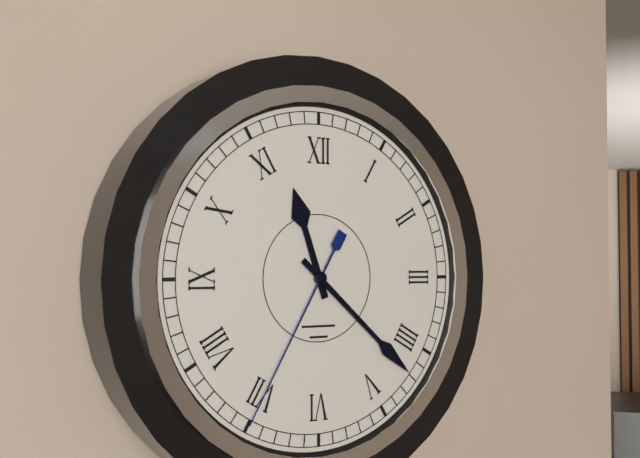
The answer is 11:22:35
